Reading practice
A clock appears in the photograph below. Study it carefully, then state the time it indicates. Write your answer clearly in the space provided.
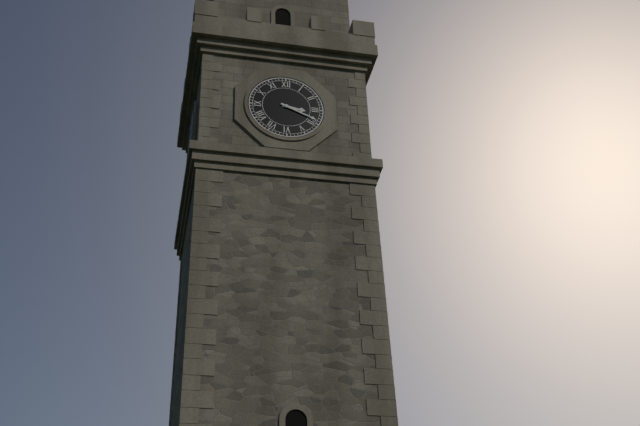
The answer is 3:19
